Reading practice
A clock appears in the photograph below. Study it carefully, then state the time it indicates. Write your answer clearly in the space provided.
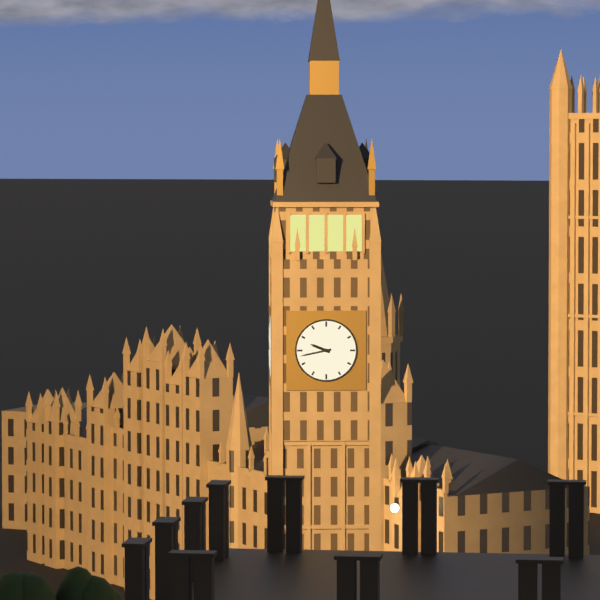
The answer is 9:43
